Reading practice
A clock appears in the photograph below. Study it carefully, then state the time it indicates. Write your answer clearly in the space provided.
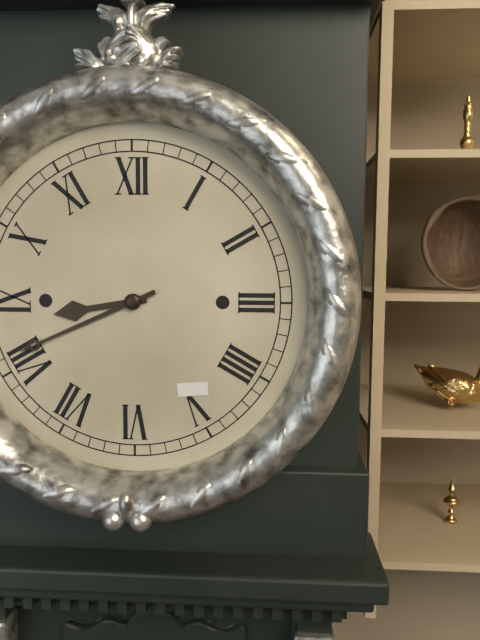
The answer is 8:41
